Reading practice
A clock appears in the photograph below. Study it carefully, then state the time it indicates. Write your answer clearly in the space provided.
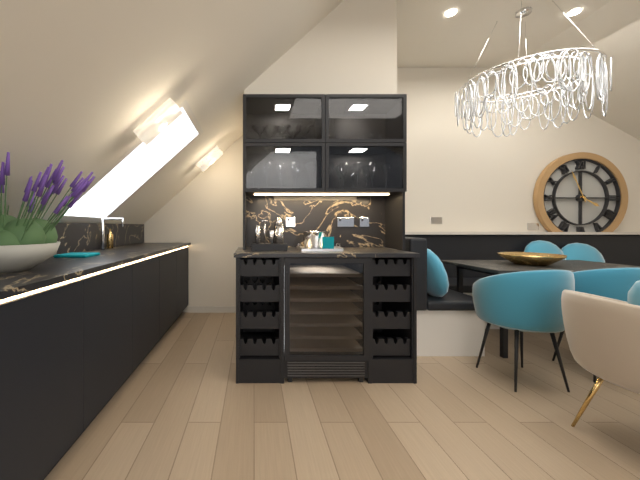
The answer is 3:56
